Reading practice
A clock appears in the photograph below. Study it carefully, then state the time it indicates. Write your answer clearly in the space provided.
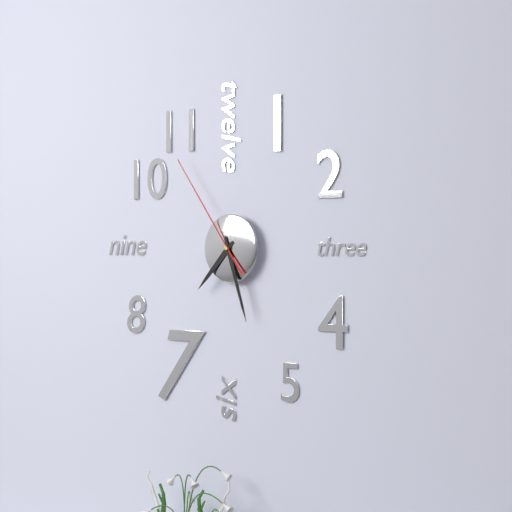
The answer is 7:27:54
